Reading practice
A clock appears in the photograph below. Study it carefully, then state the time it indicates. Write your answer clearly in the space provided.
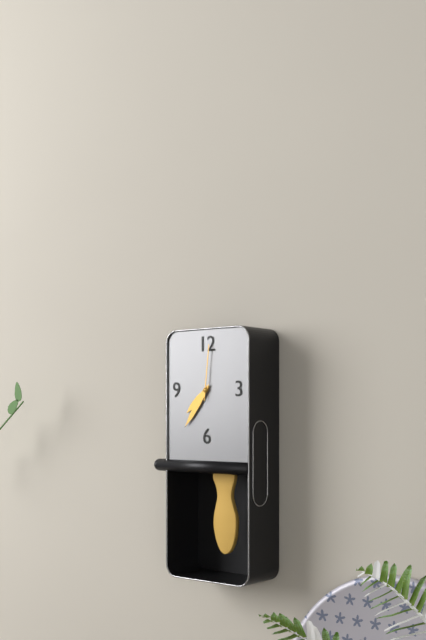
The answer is 7:36:01
